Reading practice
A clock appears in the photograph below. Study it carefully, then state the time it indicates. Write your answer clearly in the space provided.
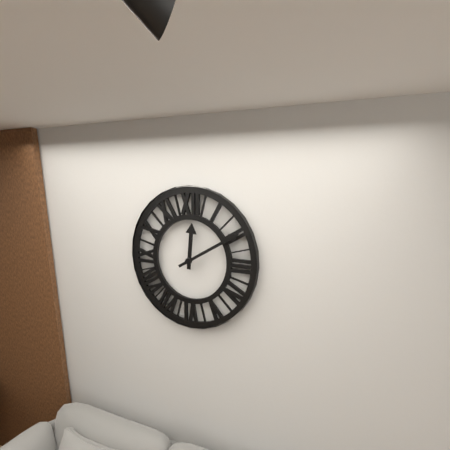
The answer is 12:10
